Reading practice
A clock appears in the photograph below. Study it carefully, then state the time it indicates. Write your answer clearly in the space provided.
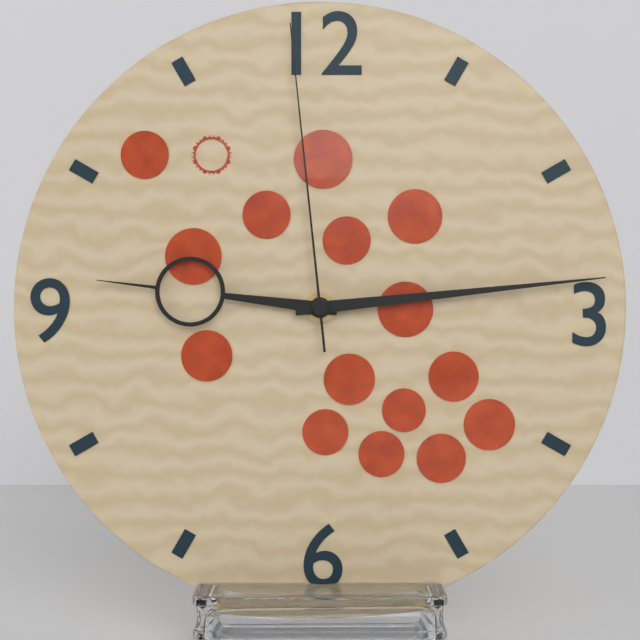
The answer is 9:14:59
